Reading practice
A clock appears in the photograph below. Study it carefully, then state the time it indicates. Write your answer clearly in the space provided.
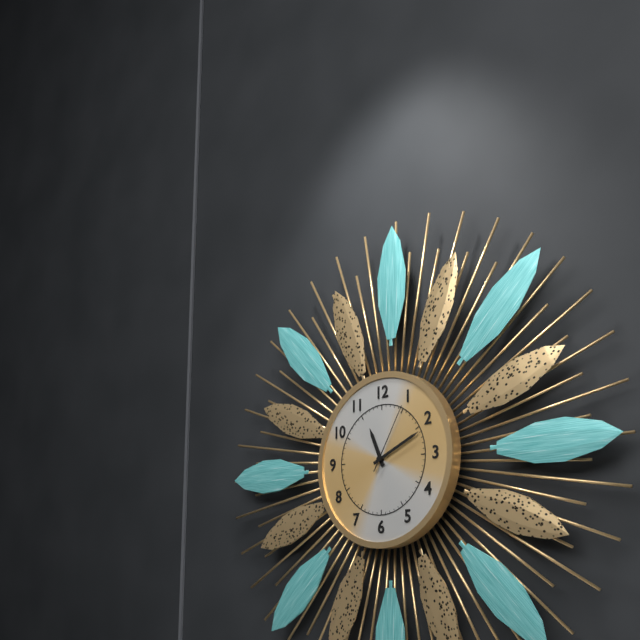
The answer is 11:11:05
